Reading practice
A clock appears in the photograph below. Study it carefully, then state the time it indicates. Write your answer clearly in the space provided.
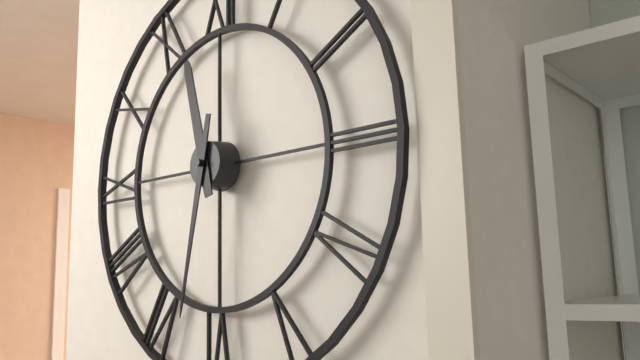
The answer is 11:32
